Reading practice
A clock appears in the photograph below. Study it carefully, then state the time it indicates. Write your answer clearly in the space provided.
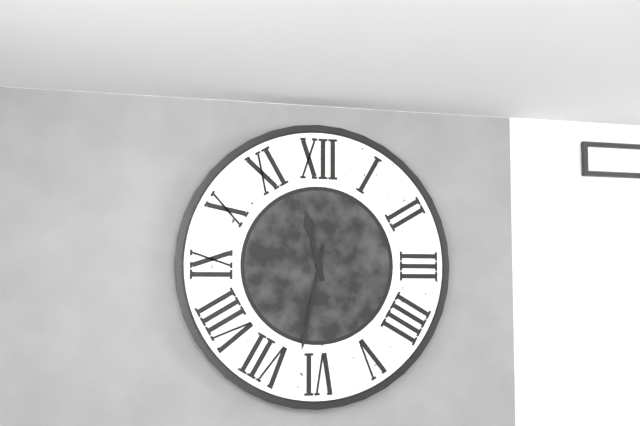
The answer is 11:32
